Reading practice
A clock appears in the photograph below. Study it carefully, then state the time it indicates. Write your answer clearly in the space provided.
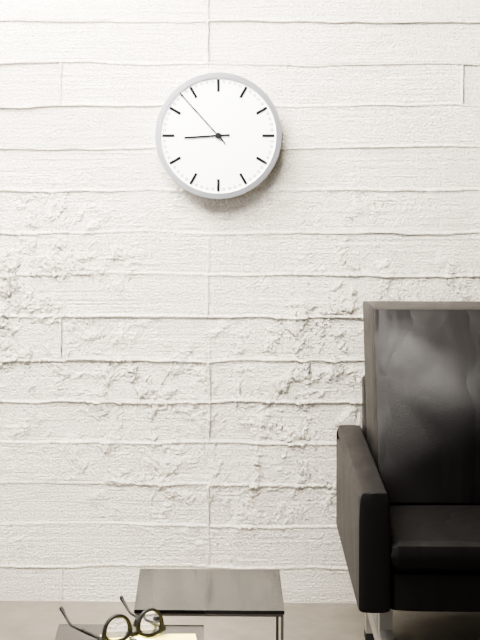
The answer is 8:53
